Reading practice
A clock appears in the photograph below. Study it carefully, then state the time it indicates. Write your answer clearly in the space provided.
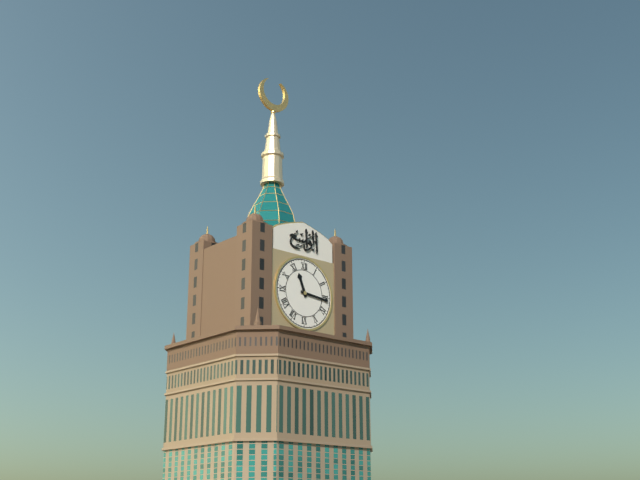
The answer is 11:16
